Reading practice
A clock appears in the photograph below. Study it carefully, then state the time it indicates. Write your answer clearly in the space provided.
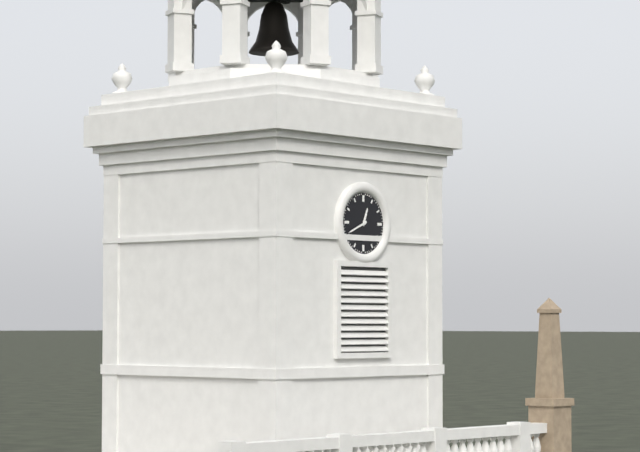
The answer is 12:41
